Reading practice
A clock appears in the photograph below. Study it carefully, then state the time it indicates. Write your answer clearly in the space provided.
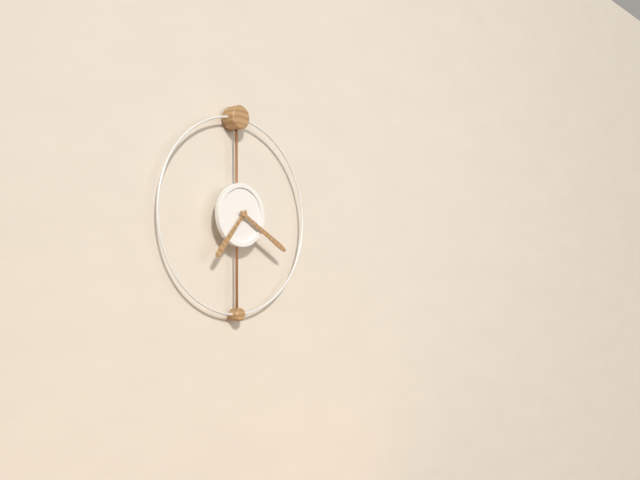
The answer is 7:20
